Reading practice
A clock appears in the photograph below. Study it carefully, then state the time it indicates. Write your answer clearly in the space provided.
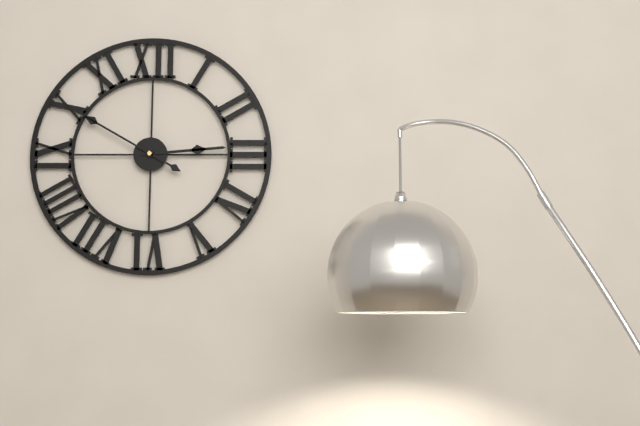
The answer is 2:50
